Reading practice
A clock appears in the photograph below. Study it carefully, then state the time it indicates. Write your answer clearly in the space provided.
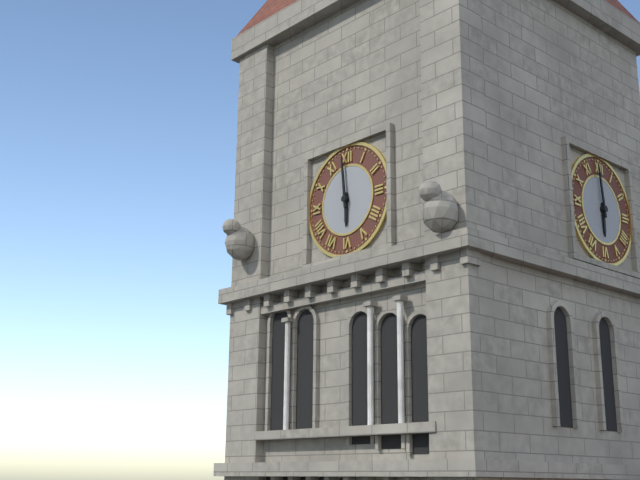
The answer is 5:59
